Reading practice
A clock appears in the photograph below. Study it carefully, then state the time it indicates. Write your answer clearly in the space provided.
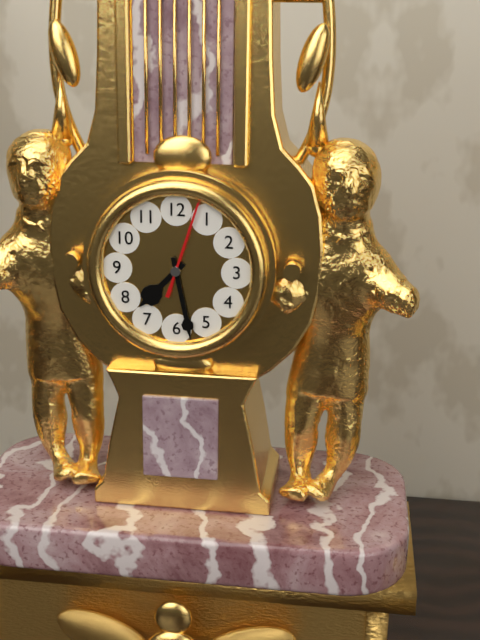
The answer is 7:28:03
